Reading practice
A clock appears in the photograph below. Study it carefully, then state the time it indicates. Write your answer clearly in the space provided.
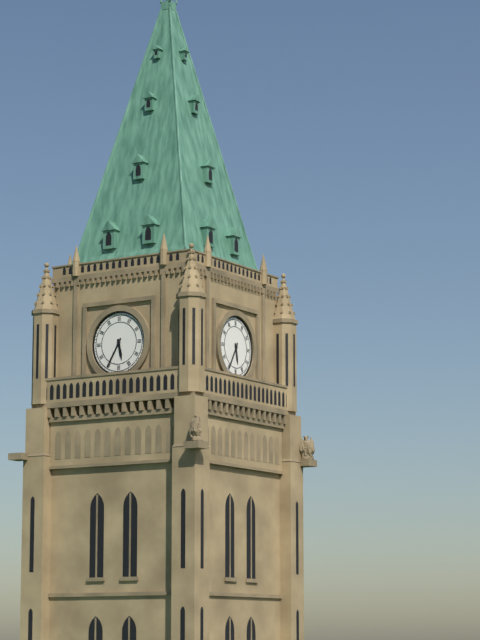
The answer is 5:35
